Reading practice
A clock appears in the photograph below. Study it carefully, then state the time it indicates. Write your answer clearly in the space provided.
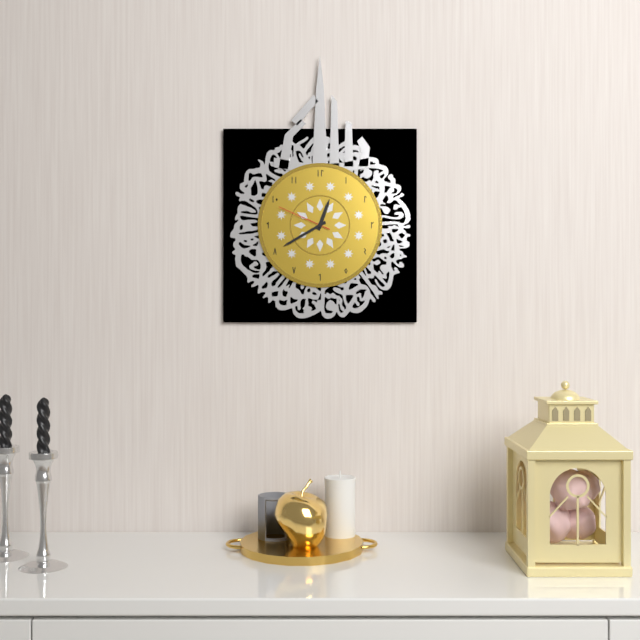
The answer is 12:40:49
